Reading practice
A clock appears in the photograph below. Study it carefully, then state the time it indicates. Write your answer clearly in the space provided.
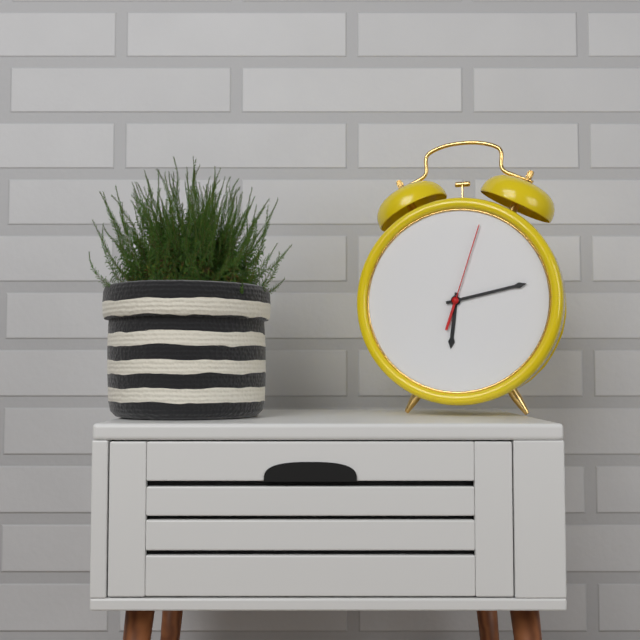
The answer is 6:13:03
